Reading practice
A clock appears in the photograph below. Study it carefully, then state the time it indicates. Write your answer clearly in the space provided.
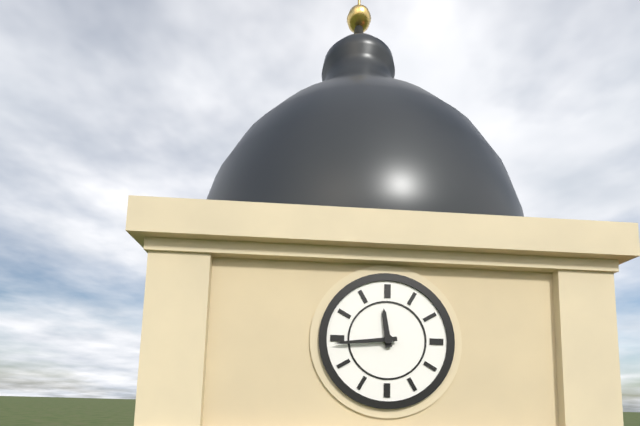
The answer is 11:44
